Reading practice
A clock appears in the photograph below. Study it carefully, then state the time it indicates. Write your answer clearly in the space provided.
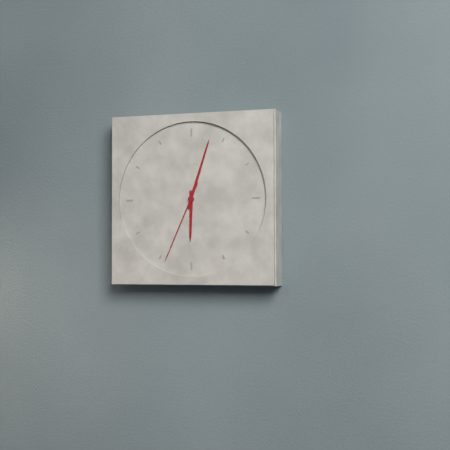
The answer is 6:03:34
